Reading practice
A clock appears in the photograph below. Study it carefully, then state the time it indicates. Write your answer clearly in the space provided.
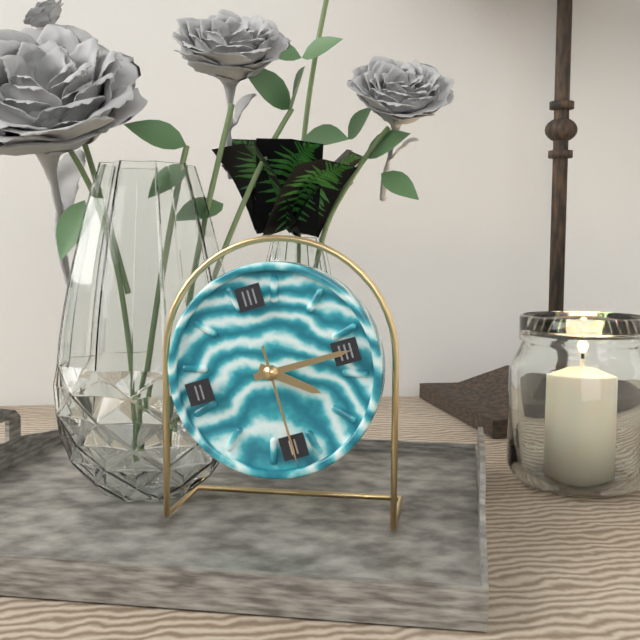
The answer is 4:15:30
